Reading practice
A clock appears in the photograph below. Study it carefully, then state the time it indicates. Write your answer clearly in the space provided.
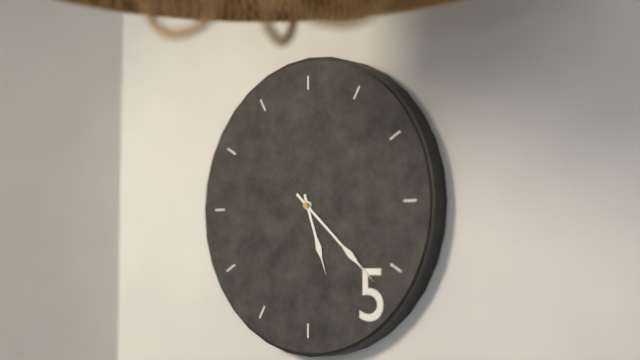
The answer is 5:22
